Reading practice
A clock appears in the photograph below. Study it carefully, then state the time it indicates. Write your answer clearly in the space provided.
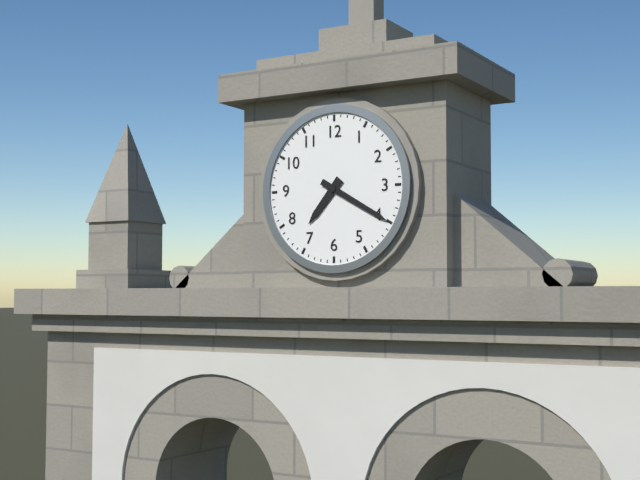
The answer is 7:20
